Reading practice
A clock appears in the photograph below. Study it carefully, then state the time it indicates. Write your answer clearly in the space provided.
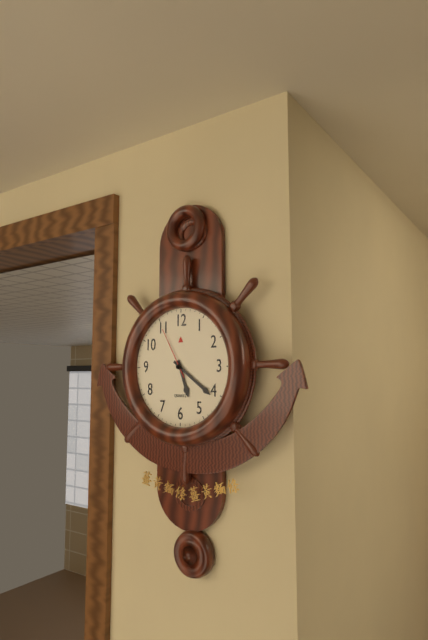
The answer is 5:21:55
